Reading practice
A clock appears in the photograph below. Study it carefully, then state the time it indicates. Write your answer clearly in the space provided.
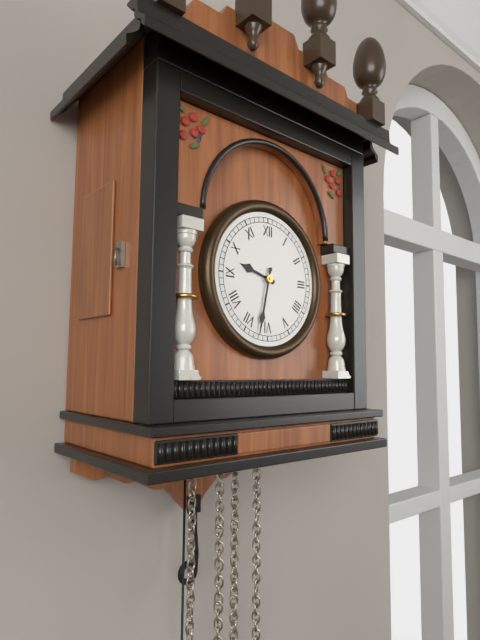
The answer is 9:32
